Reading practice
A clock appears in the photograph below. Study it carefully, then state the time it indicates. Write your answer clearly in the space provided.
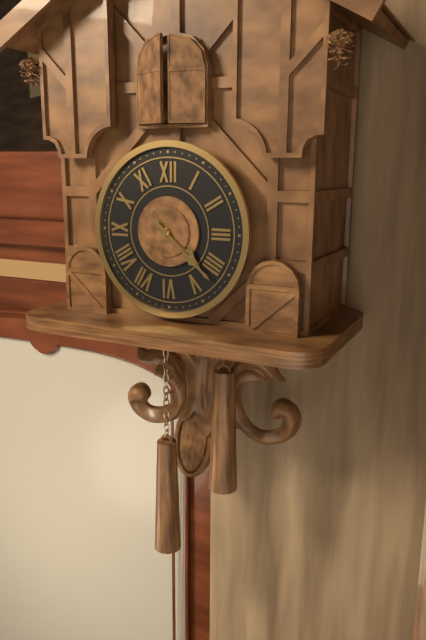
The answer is 4:22
